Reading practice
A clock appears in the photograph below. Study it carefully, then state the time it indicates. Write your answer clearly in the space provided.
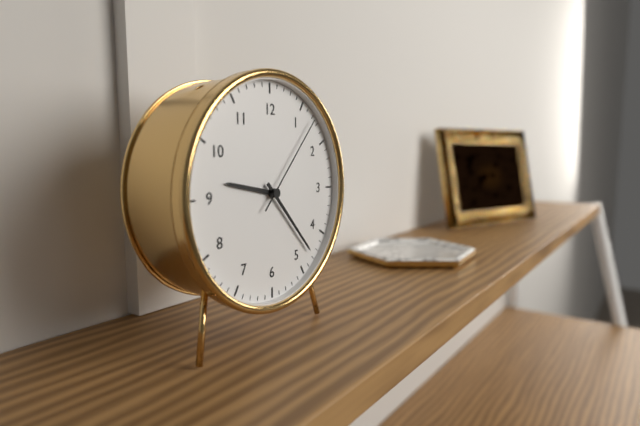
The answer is 9:23:07
